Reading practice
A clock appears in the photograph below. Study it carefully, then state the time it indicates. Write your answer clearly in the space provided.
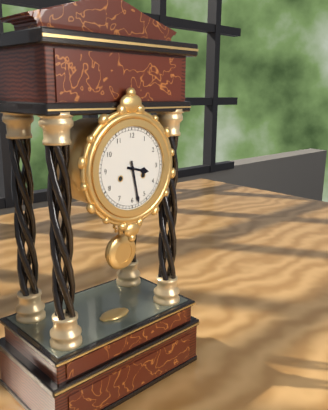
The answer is 3:28
